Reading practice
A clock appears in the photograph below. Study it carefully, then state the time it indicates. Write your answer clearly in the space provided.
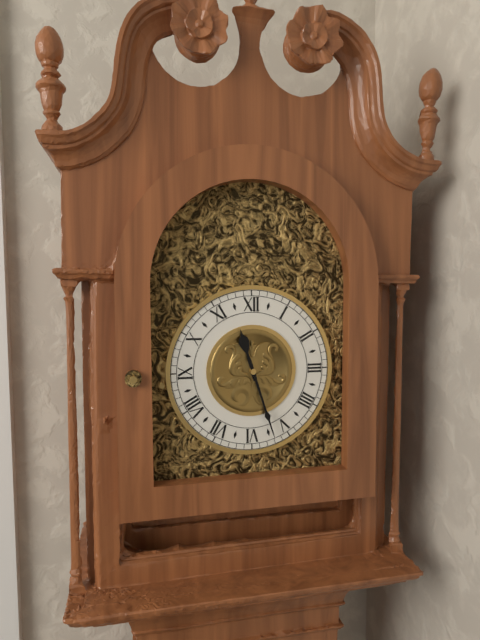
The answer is 11:27
